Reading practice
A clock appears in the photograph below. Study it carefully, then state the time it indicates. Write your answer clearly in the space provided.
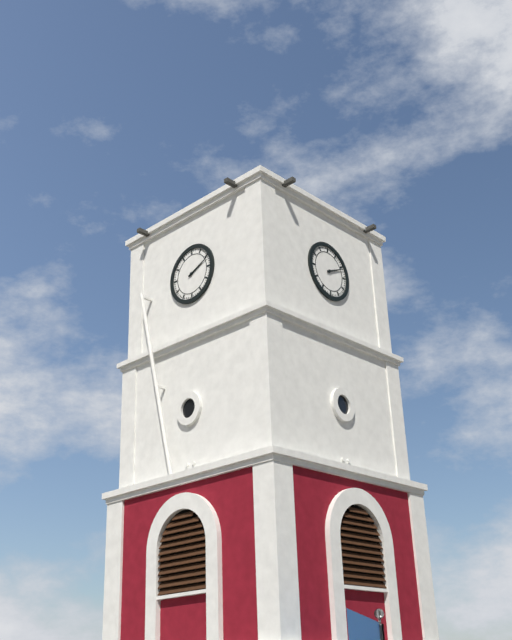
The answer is 2:11
